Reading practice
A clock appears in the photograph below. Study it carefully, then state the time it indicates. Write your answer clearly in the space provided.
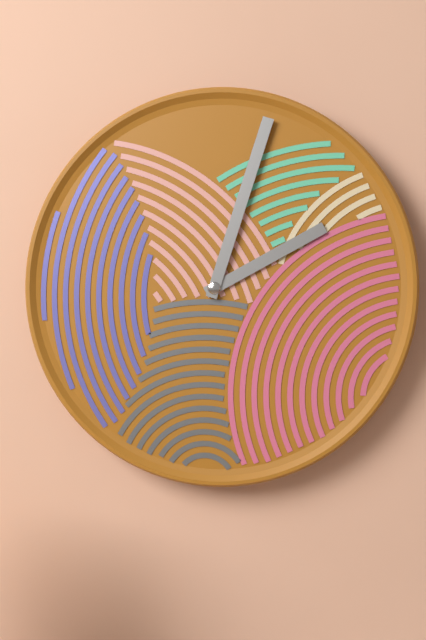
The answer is 2:03
